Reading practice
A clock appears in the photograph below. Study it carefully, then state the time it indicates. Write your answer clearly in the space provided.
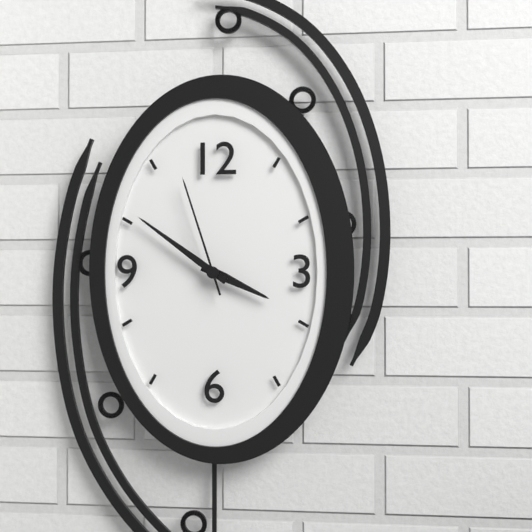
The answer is 3:51:57
